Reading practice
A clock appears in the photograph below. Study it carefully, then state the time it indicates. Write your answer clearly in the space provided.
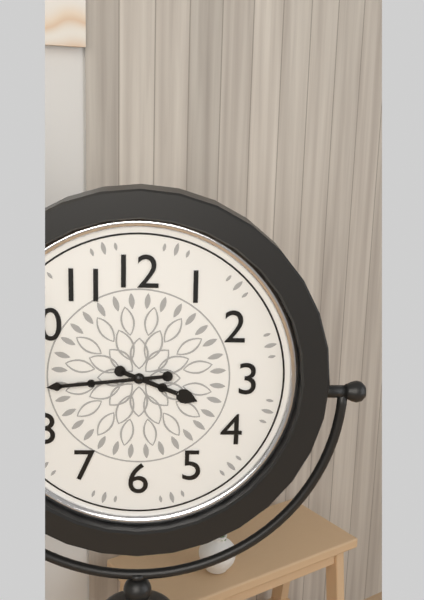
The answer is 3:44
